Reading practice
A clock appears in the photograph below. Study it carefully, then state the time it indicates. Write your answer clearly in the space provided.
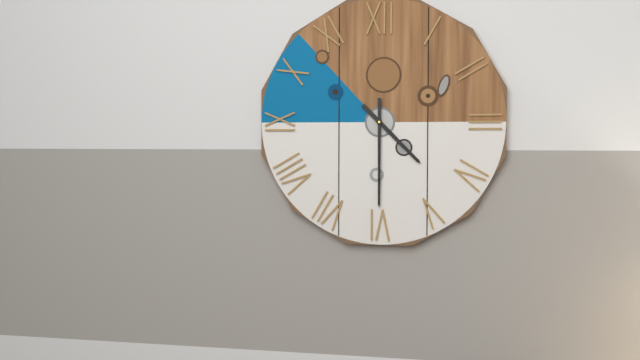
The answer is 4:30
